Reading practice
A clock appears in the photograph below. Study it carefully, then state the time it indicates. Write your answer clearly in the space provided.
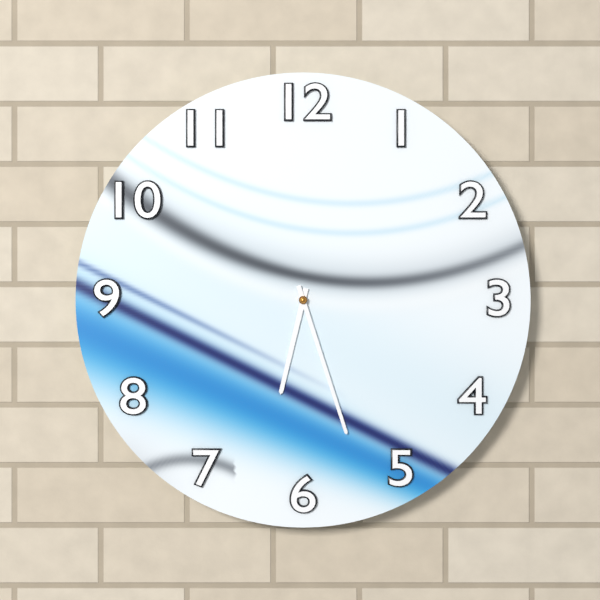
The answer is 6:27
